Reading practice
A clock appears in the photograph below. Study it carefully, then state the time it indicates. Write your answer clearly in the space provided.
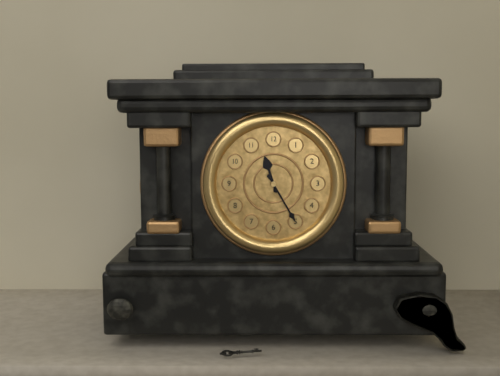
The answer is 11:25
